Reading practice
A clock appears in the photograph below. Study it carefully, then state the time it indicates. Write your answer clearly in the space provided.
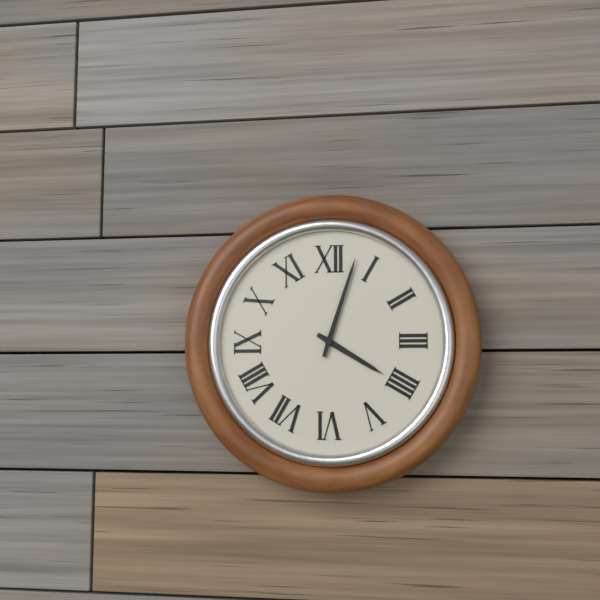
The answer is 4:03
